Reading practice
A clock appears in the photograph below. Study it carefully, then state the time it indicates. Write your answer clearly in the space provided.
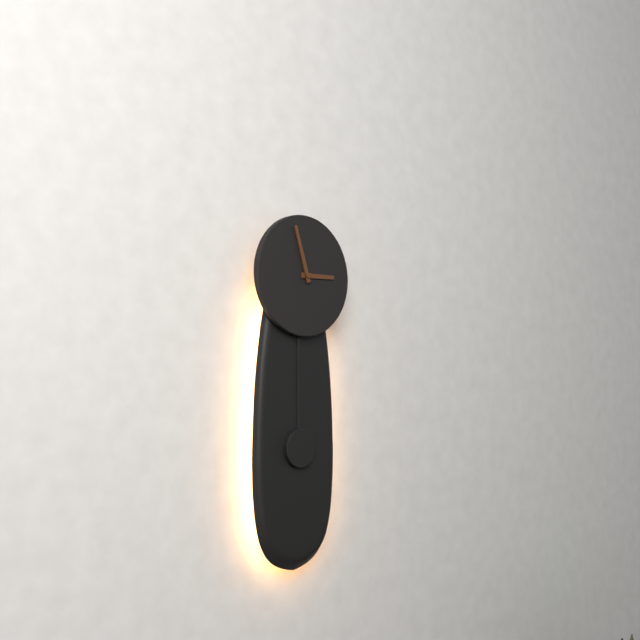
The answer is 2:57
